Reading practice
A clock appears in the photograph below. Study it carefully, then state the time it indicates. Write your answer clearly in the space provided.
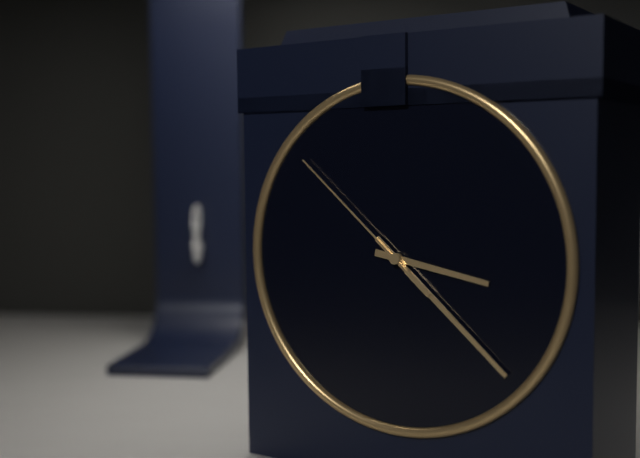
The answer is 3:22:52
